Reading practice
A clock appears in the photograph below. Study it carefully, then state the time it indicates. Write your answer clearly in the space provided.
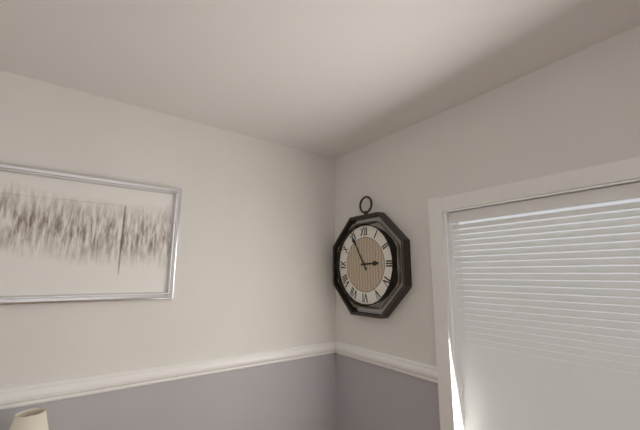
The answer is 2:55
